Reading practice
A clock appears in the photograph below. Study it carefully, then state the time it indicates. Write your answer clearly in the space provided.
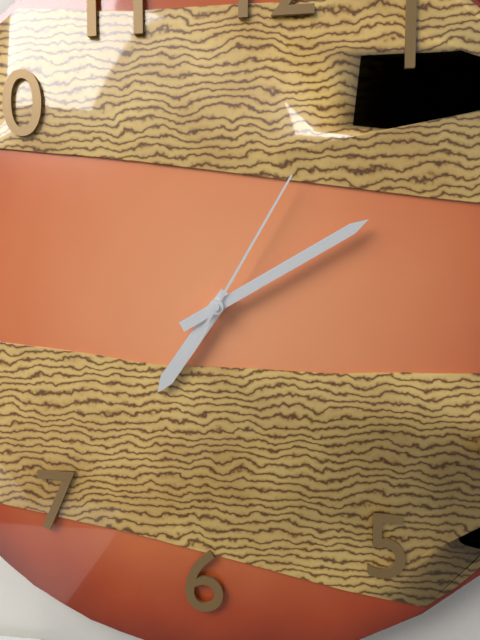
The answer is 7:10:05
